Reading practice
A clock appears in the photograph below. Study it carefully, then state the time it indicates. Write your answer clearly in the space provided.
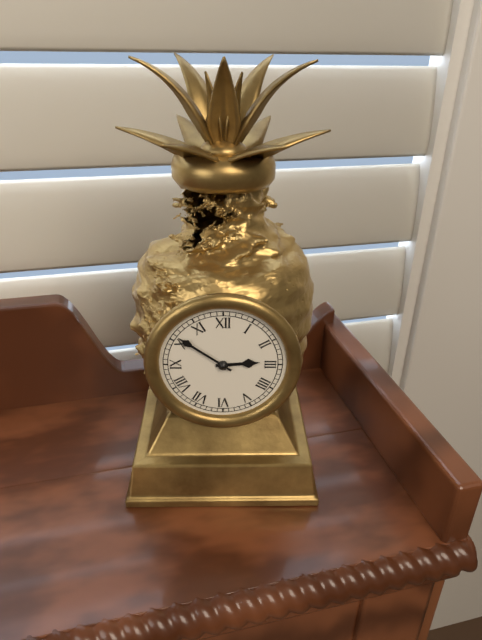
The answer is 2:51
